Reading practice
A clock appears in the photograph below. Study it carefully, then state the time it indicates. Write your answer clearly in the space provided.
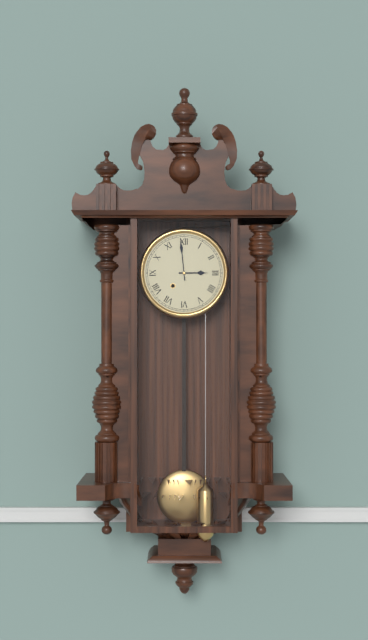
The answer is 2:59
